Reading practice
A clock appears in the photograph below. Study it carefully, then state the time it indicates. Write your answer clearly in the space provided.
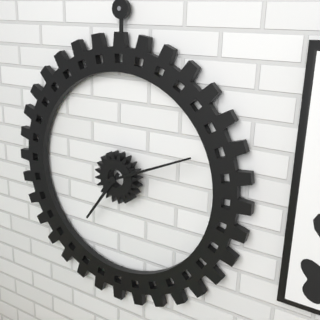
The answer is 7:11
